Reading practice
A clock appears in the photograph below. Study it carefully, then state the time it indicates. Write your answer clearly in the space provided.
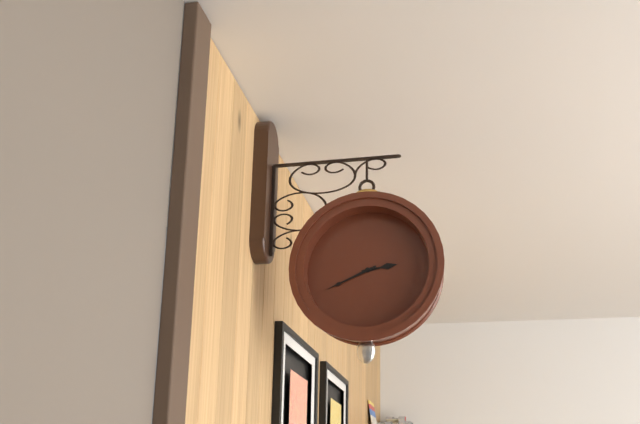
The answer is 2:41
